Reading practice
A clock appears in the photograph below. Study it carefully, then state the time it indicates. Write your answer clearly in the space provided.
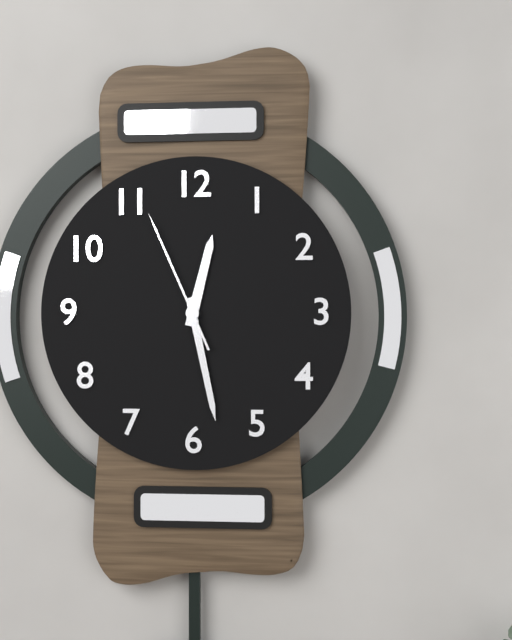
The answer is 12:28:56
